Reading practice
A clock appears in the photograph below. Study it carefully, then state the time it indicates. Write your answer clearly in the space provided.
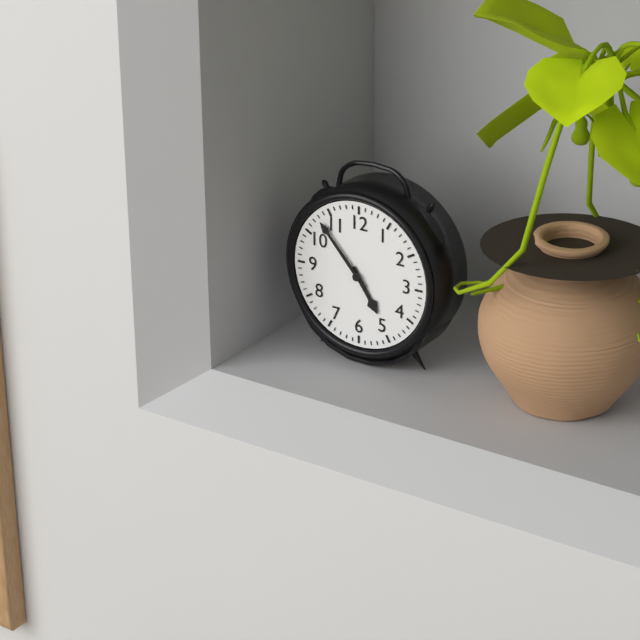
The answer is 4:53
